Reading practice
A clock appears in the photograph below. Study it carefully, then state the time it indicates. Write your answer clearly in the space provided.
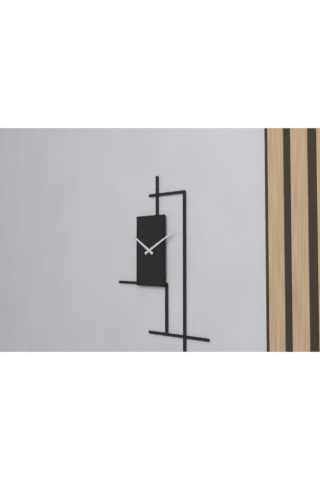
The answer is 10:10
